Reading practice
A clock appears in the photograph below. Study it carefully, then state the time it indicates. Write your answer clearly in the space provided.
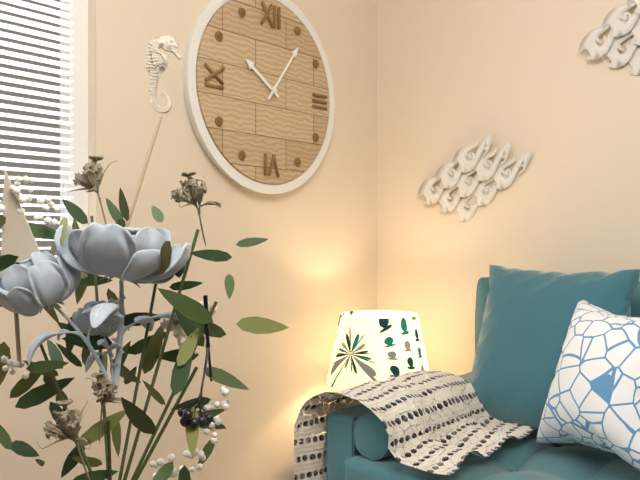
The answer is 10:06
